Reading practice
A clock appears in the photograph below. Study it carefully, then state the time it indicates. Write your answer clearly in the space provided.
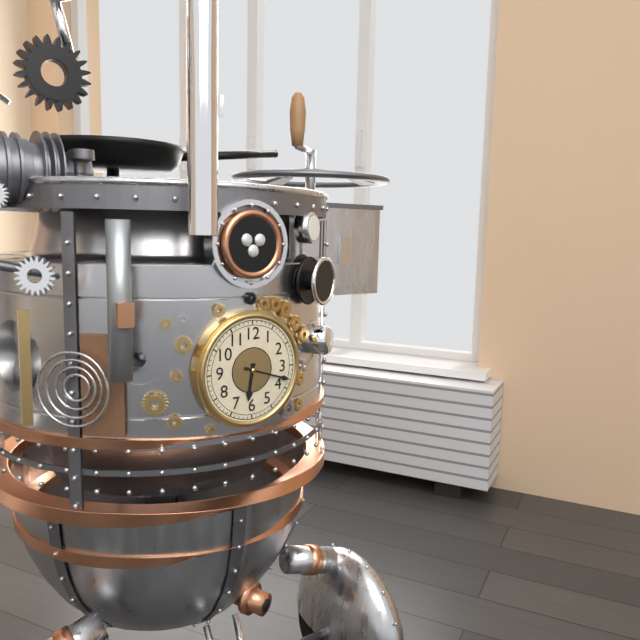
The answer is 6:18
